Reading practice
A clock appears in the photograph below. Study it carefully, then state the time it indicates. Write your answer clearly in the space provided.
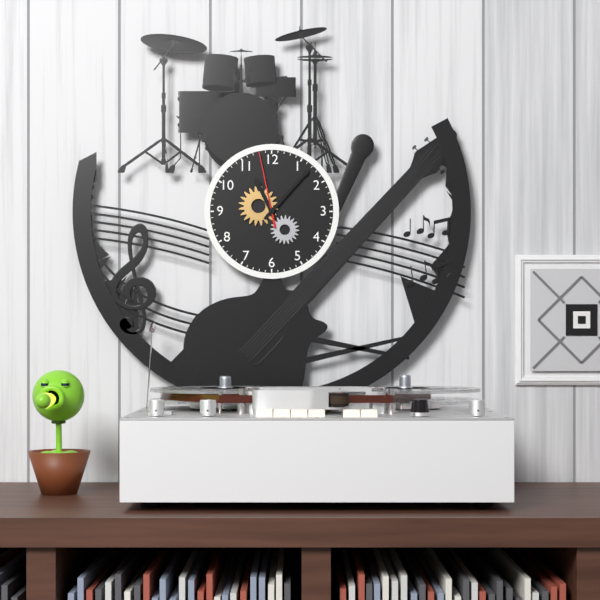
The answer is 11:07:58
